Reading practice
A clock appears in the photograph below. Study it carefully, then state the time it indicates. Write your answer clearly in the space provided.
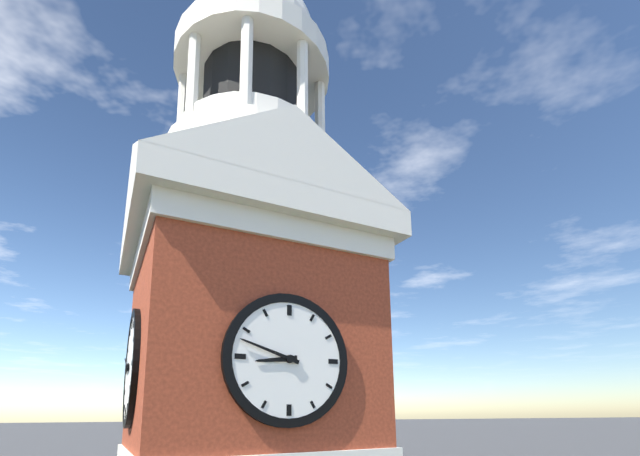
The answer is 8:48
